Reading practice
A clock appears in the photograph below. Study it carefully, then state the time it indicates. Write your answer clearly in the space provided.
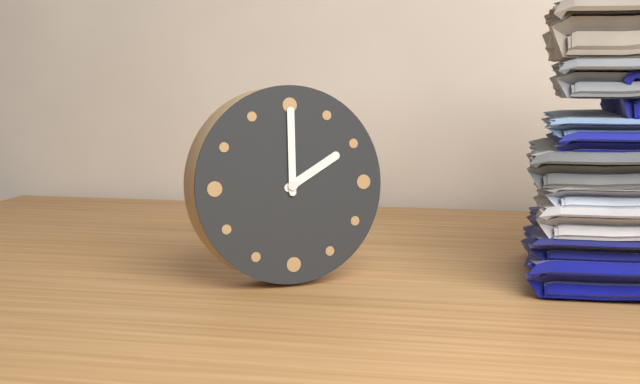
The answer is 2:00
